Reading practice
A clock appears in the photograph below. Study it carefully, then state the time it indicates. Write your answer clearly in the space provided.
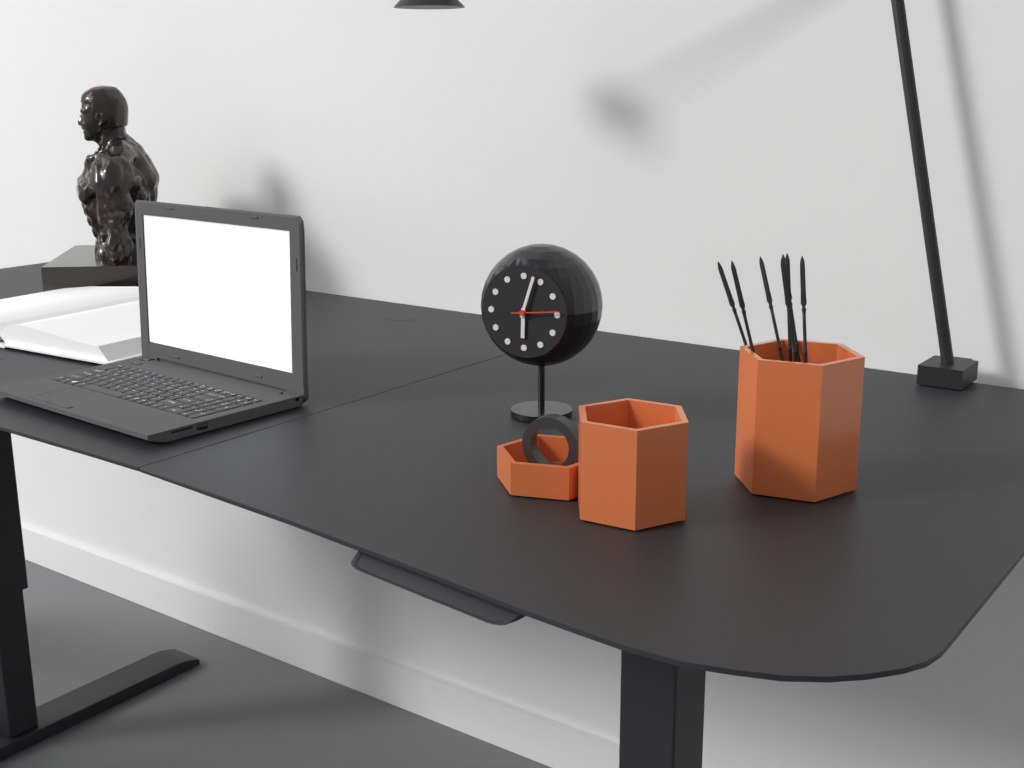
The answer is 6:03
